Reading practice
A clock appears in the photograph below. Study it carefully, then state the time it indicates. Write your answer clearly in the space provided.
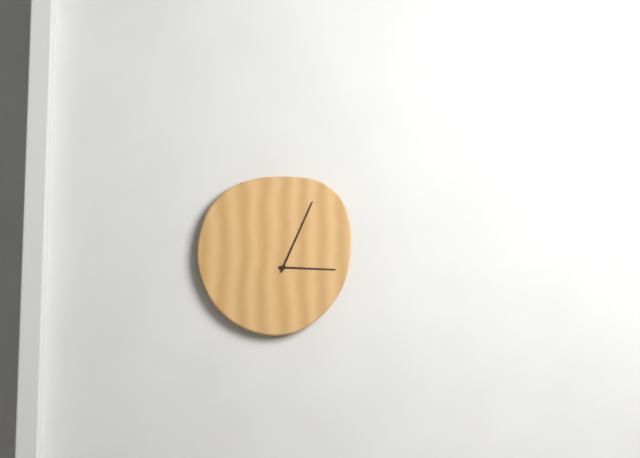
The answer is 3:04
